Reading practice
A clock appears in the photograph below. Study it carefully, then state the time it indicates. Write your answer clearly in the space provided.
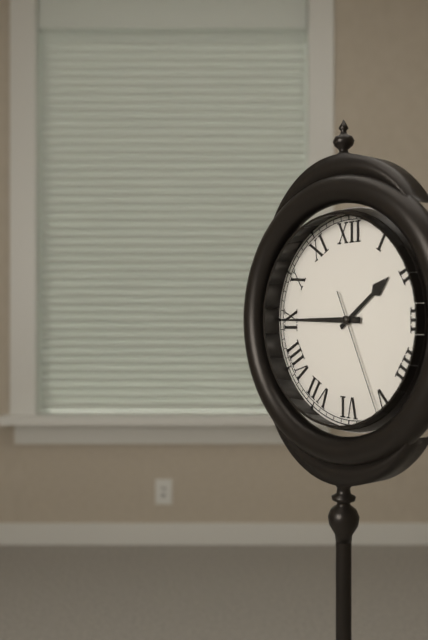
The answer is 1:45:26
